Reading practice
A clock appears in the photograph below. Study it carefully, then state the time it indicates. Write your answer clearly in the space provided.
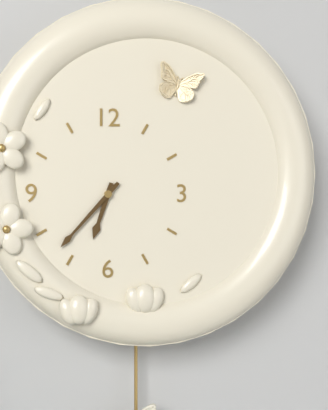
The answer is 6:37
